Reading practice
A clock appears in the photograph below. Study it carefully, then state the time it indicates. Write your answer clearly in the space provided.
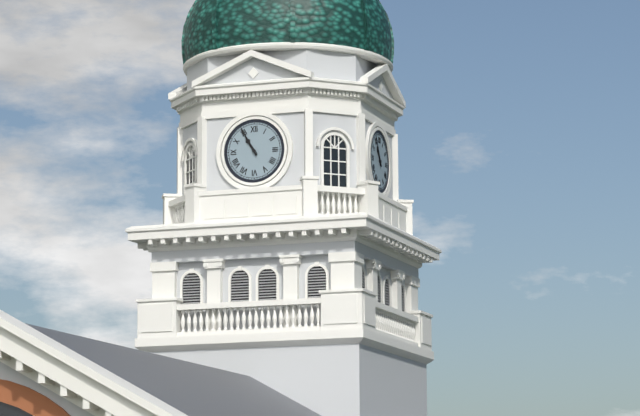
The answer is 10:55
